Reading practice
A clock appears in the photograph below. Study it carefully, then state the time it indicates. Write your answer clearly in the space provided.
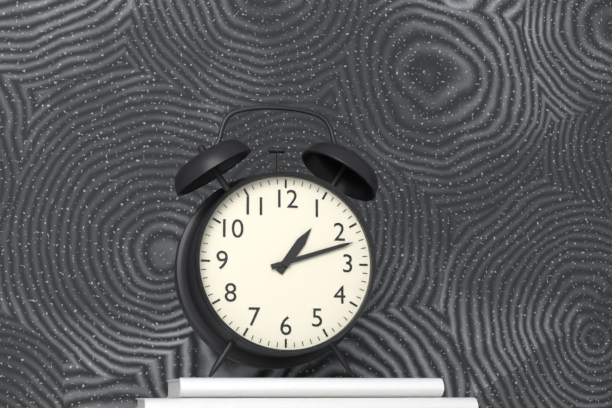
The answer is 1:12
